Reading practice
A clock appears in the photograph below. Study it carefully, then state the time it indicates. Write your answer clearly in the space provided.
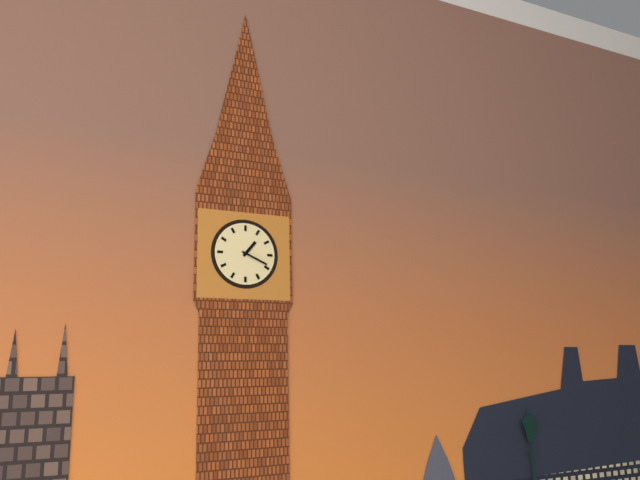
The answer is 1:19
